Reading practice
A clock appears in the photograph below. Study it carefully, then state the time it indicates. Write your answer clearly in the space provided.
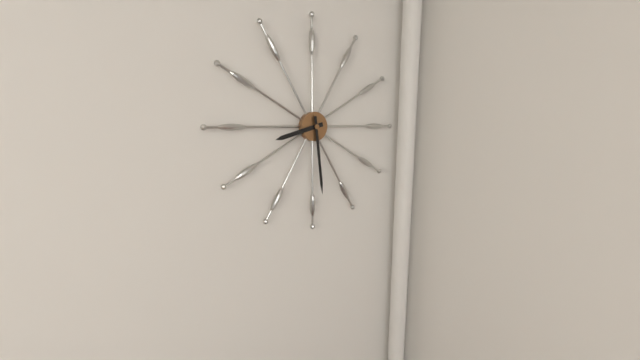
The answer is 8:29
